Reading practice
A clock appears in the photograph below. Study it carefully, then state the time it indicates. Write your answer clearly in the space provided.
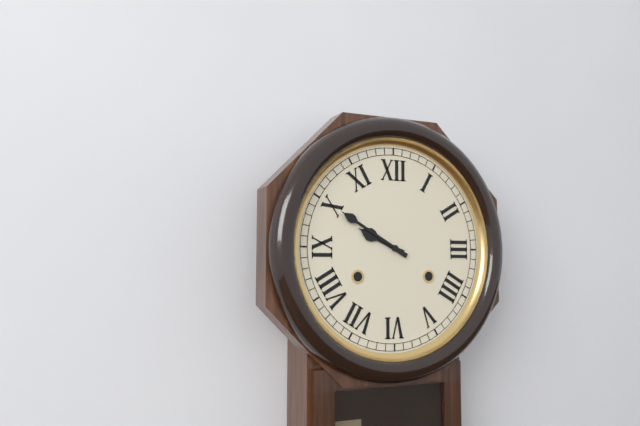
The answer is 9:50
